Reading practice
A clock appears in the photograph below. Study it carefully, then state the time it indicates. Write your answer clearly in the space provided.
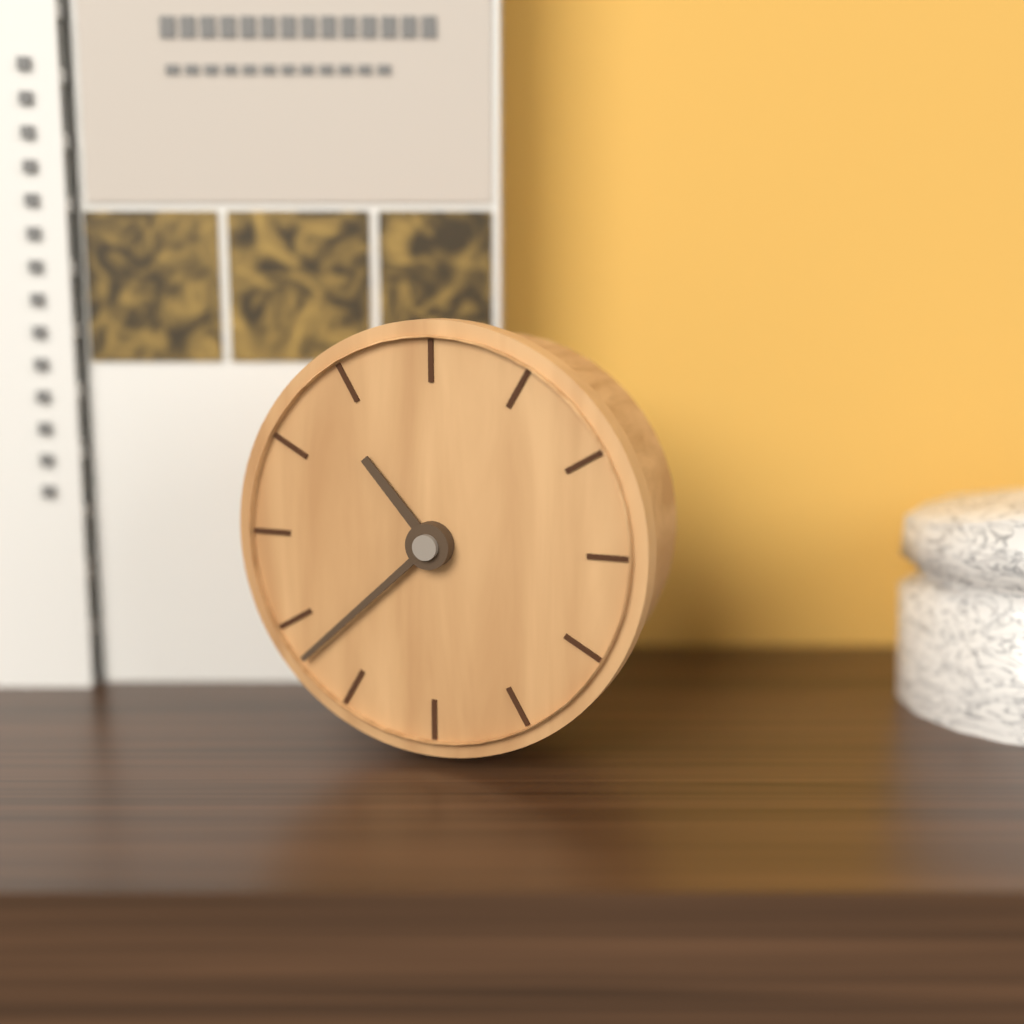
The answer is 10:38
